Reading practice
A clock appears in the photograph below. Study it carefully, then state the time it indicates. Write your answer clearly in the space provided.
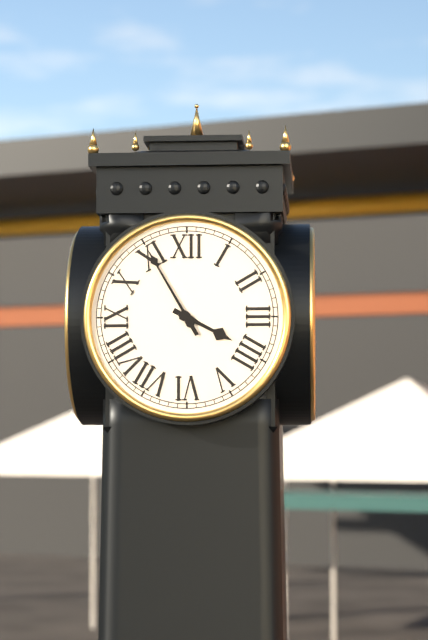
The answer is 3:55
